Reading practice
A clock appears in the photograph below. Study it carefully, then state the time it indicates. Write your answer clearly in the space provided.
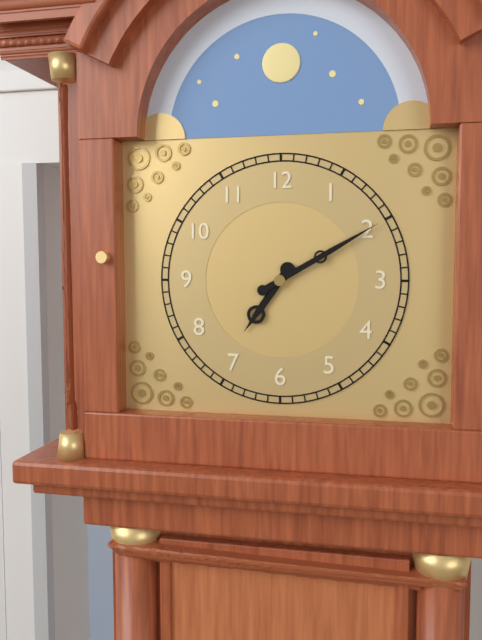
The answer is 7:10
